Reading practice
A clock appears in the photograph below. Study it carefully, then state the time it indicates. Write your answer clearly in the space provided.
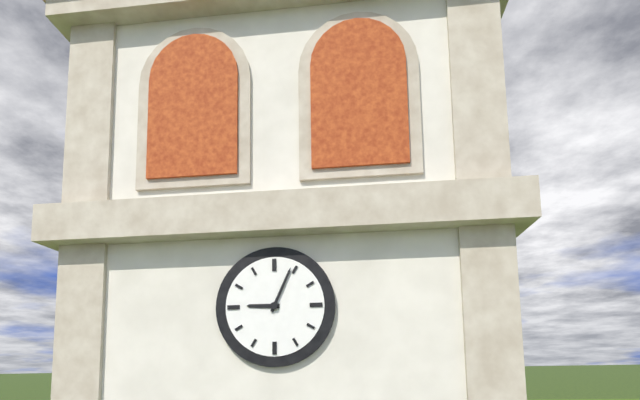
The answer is 9:04
